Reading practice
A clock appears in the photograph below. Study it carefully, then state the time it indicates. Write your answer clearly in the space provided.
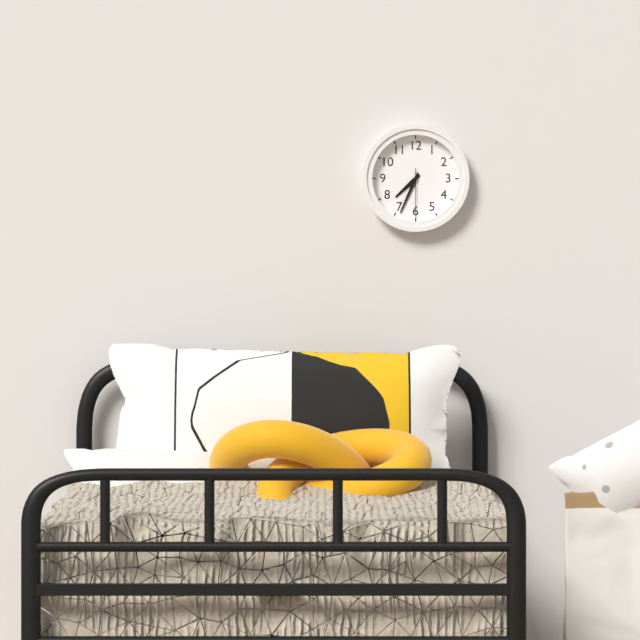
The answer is 7:34:30
